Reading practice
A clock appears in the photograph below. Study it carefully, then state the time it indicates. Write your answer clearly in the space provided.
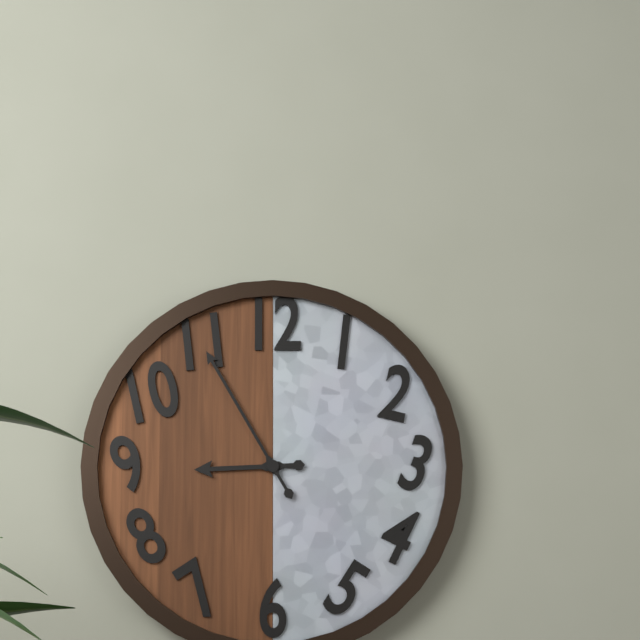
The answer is 8:55
